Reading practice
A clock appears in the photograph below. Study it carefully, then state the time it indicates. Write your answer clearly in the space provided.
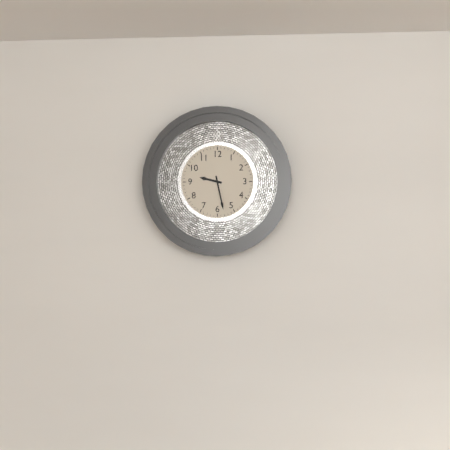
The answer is 9:28
